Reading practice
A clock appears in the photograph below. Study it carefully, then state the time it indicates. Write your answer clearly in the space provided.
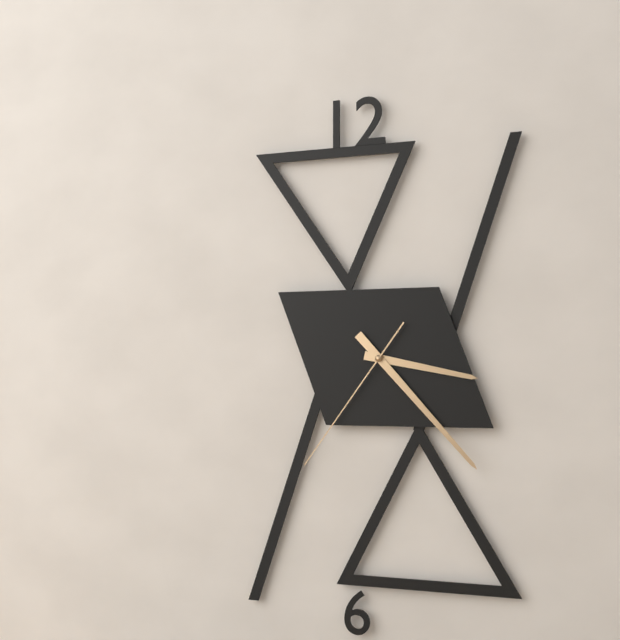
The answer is 3:23:36
